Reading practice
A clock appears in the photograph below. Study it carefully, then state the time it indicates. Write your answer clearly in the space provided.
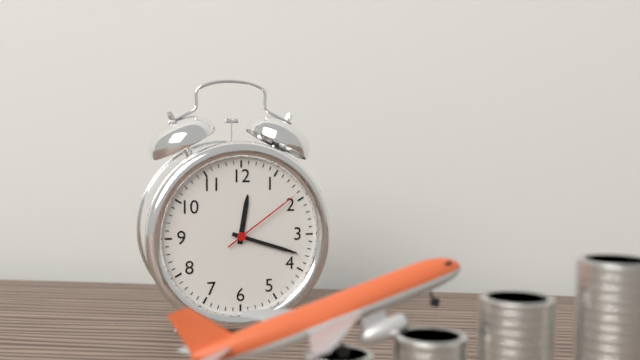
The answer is 12:18:09
